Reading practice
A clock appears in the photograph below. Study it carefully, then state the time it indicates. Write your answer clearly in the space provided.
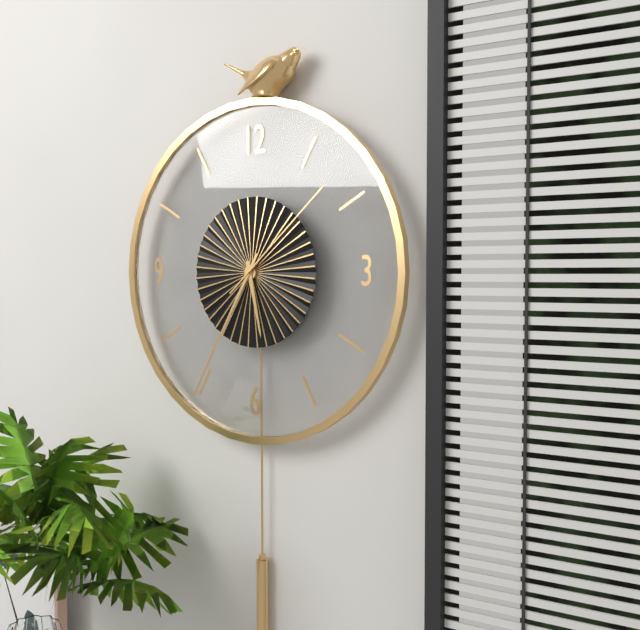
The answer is 5:35:08
